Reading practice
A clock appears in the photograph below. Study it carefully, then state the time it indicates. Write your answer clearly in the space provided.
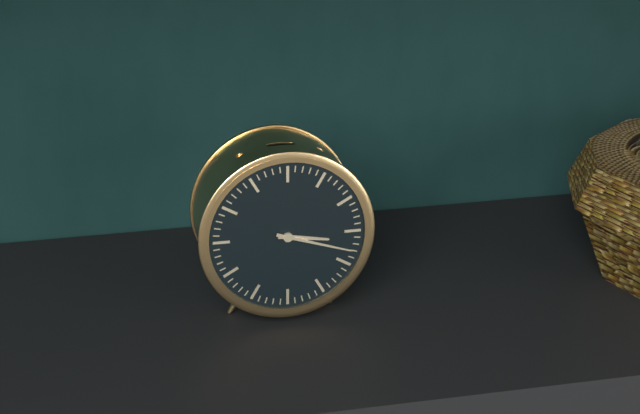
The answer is 3:18
